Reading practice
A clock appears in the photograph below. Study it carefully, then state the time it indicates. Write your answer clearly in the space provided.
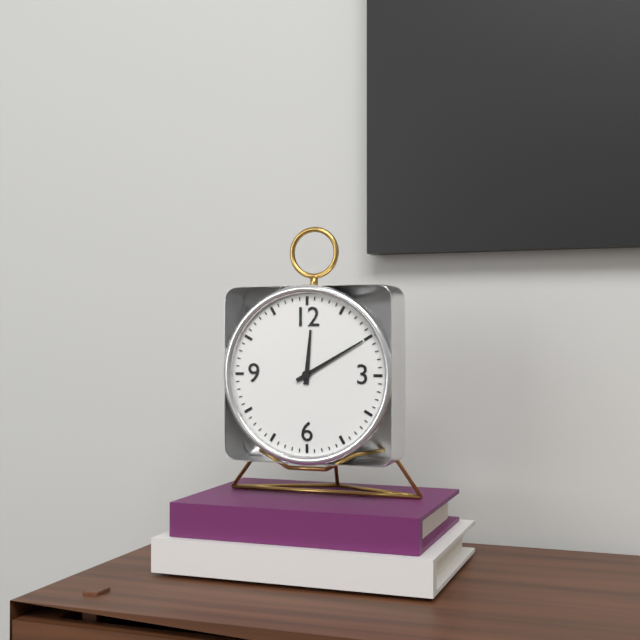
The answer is 12:10
